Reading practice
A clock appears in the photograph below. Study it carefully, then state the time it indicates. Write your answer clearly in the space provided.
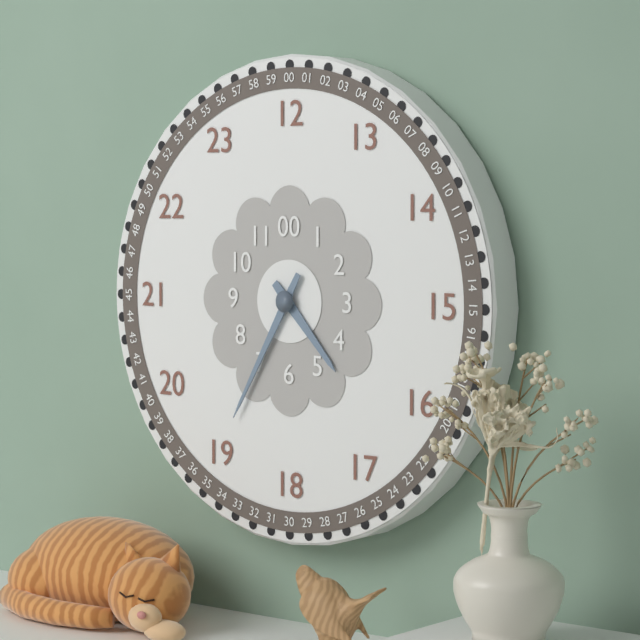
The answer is 4:35
